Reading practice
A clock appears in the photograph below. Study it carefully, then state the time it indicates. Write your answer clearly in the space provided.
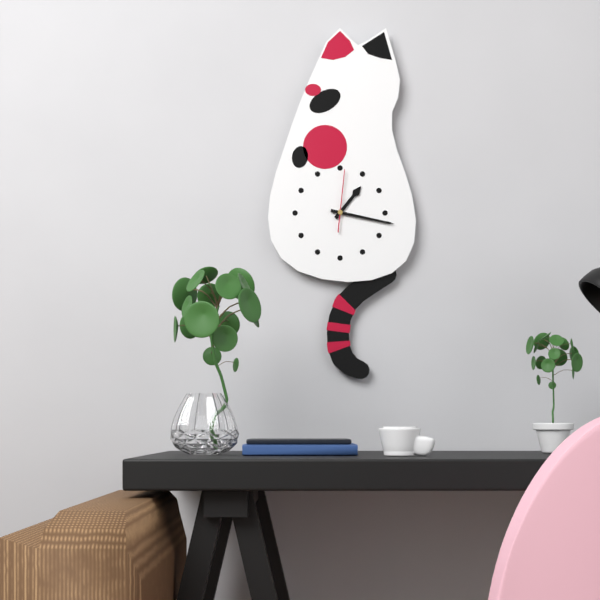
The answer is 1:17:01
